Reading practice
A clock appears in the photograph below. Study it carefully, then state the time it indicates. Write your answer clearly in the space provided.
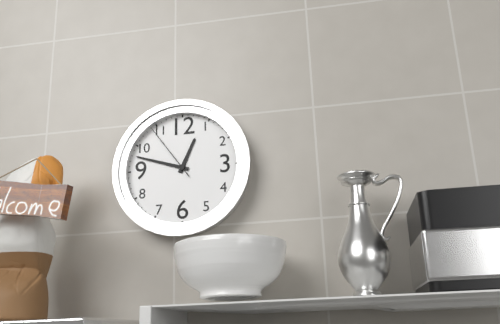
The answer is 12:48:54
